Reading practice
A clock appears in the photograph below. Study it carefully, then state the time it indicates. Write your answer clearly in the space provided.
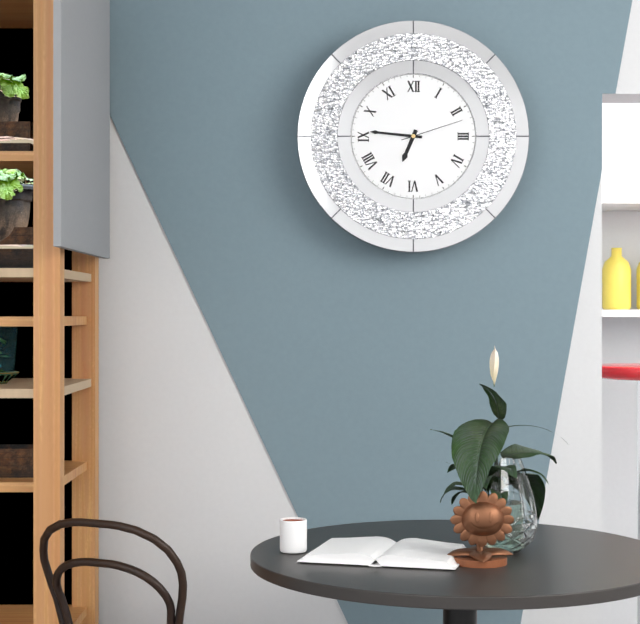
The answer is 6:46:12
